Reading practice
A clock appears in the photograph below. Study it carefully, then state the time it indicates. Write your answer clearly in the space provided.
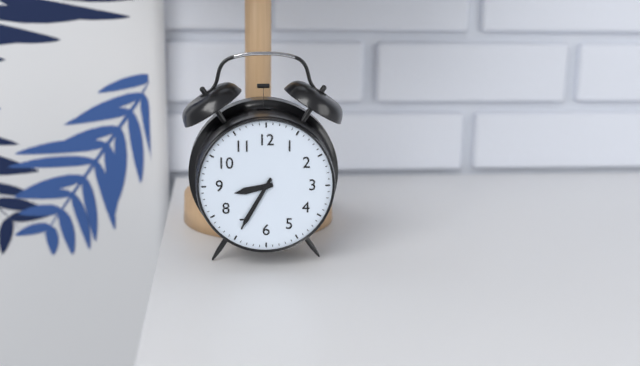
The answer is 8:35
